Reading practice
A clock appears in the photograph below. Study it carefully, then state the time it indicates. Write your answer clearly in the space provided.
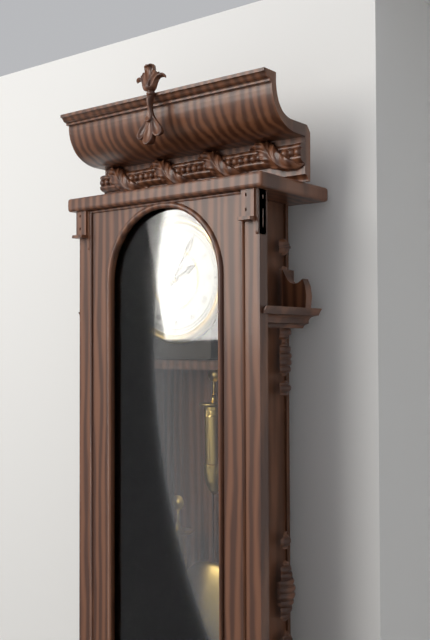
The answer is 2:05
